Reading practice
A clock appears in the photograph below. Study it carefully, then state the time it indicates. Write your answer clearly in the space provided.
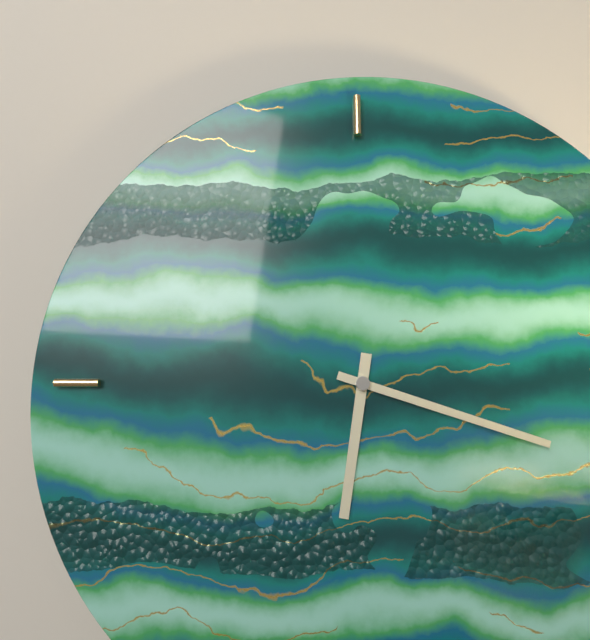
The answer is 6:18
